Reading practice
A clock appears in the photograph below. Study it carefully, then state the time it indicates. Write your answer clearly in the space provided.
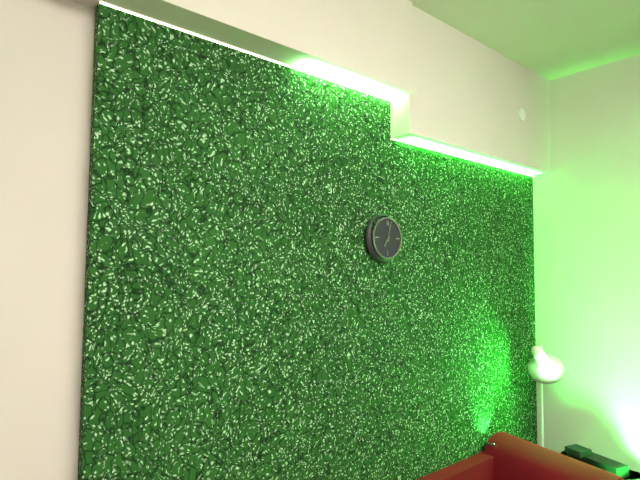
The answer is 7:02
